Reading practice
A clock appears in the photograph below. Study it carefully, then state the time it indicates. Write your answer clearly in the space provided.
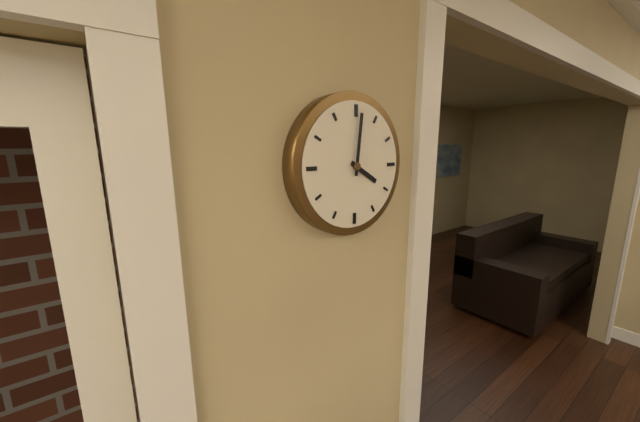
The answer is 4:01
